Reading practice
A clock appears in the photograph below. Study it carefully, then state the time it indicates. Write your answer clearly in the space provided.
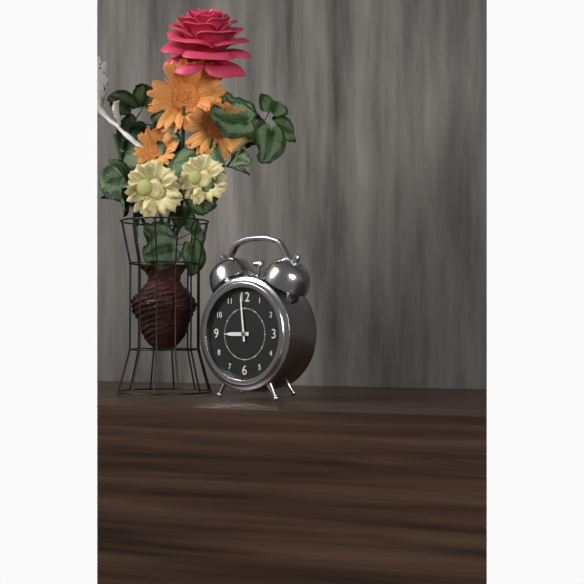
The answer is 8:59
